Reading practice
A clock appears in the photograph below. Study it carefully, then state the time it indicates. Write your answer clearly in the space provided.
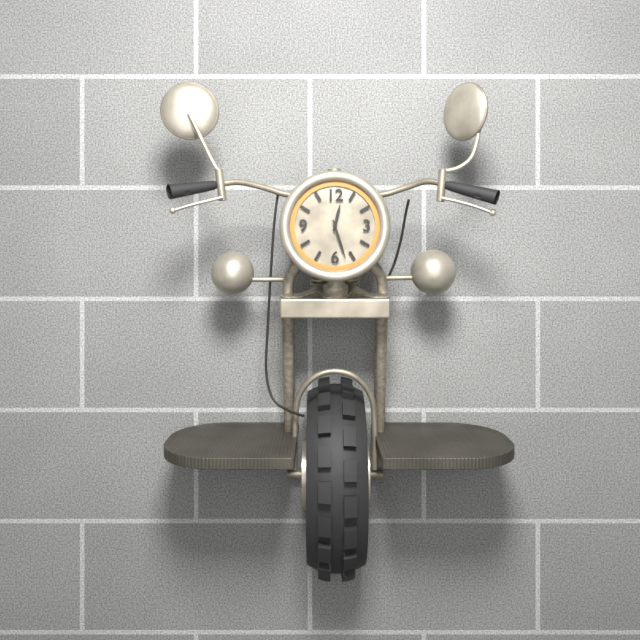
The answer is 12:27
